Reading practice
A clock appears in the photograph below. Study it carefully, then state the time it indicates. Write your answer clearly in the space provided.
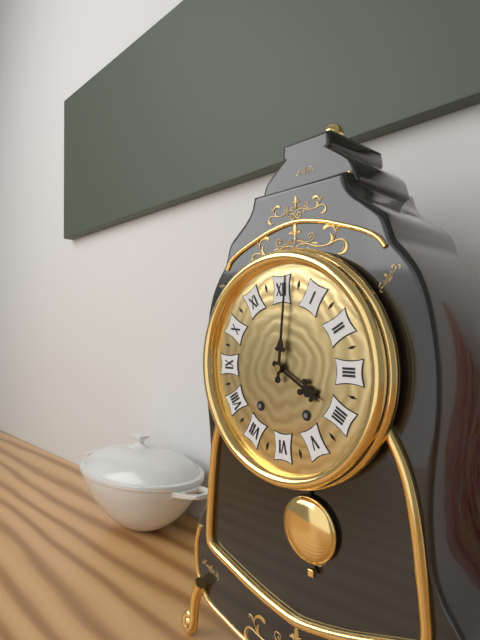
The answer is 4:01
